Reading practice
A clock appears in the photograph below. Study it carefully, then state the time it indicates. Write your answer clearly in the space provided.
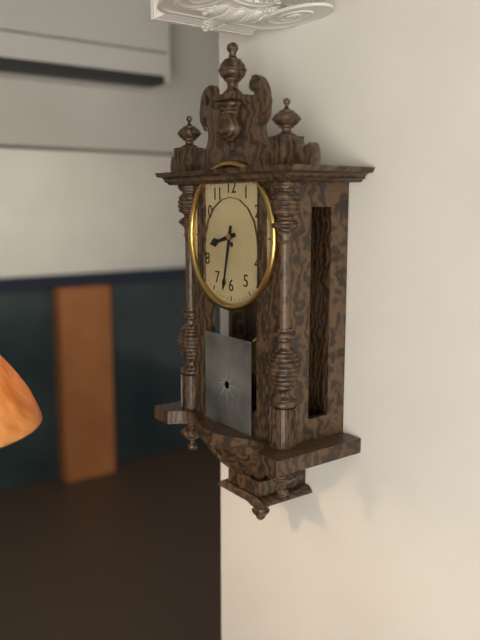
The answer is 8:32
